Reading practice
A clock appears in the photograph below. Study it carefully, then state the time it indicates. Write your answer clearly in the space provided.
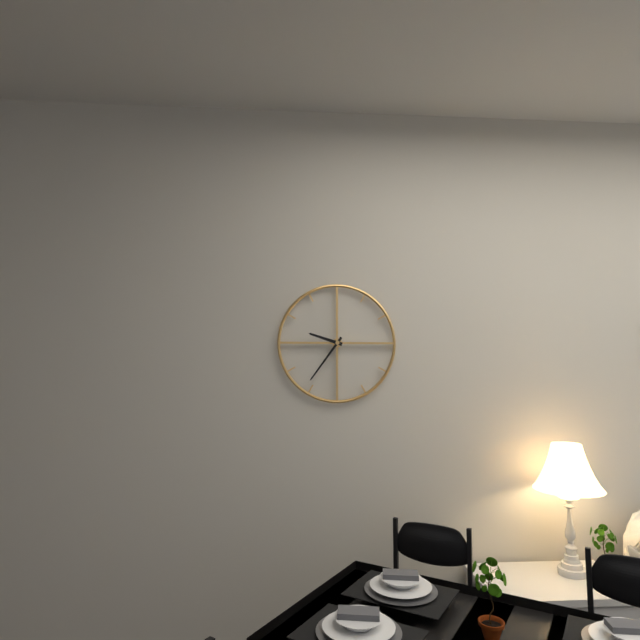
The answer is 9:36
